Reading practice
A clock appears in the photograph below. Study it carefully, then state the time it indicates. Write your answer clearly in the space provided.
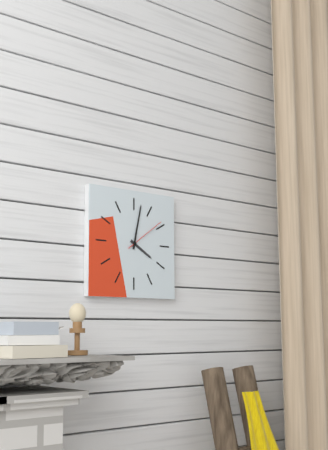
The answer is 4:02
